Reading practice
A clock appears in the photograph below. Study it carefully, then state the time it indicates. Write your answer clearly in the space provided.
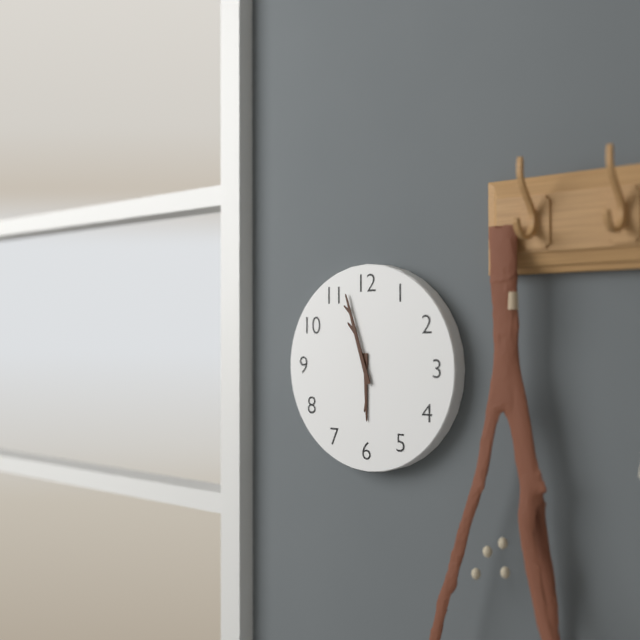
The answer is 5:57
